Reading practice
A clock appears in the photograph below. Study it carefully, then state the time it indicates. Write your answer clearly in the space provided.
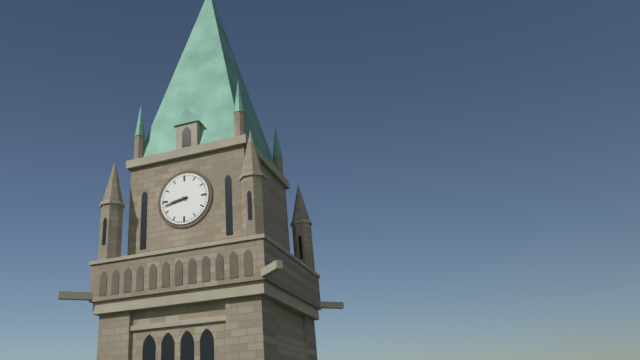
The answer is 8:43
